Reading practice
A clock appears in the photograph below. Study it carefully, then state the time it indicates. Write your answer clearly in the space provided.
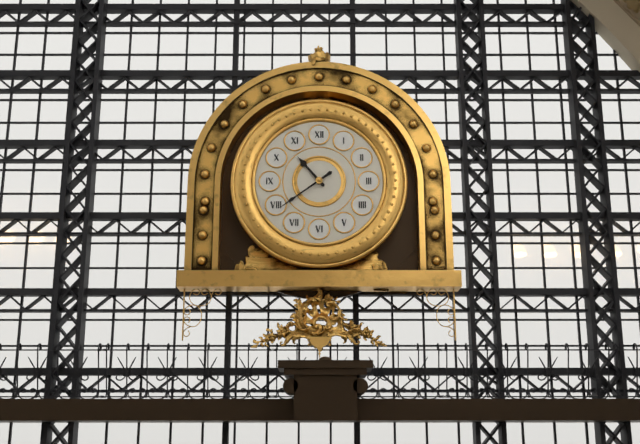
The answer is 10:39
